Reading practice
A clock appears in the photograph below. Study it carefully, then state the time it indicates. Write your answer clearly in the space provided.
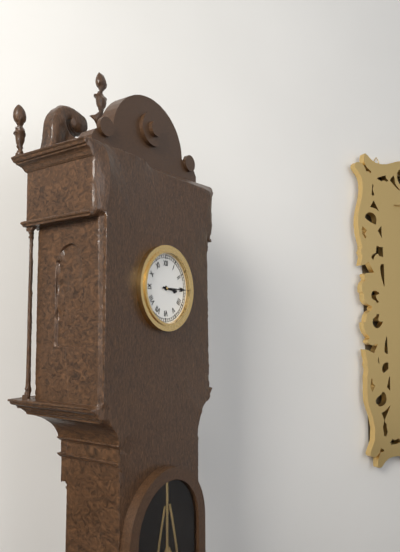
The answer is 3:15
